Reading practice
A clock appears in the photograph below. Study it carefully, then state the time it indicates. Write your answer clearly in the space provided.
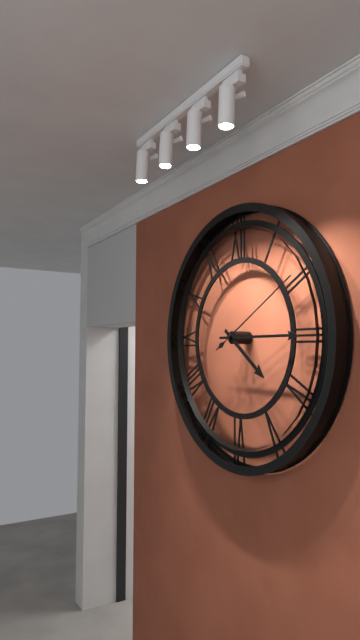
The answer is 4:15:10
